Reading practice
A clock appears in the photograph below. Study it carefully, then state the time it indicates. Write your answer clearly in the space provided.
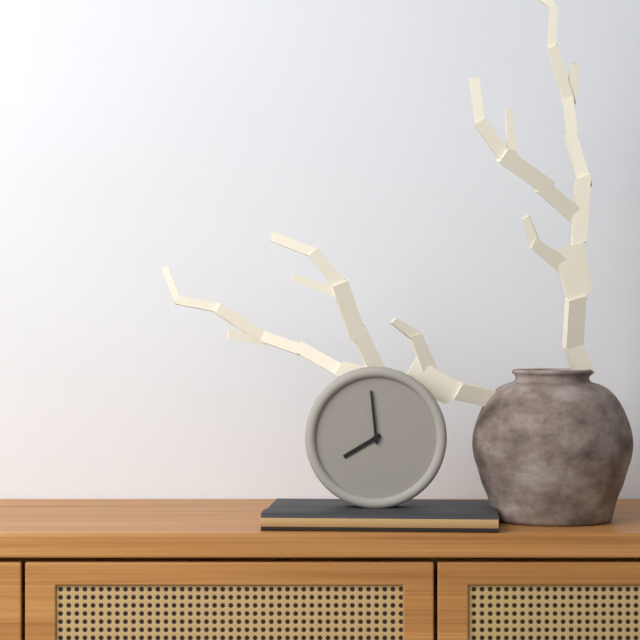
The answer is 7:59
